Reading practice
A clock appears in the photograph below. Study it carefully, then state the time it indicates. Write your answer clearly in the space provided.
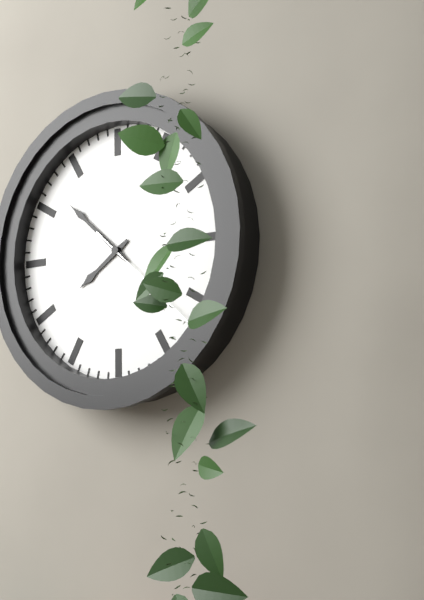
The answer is 7:52:22
